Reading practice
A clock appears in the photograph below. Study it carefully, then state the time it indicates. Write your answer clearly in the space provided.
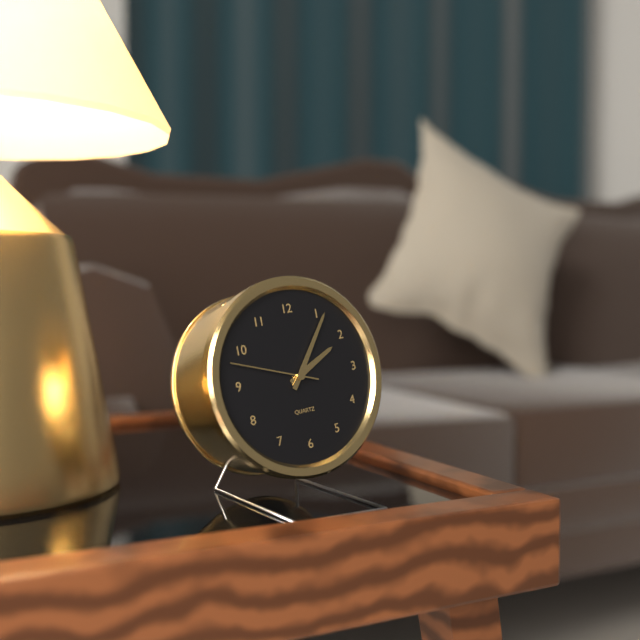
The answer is 2:06:48
